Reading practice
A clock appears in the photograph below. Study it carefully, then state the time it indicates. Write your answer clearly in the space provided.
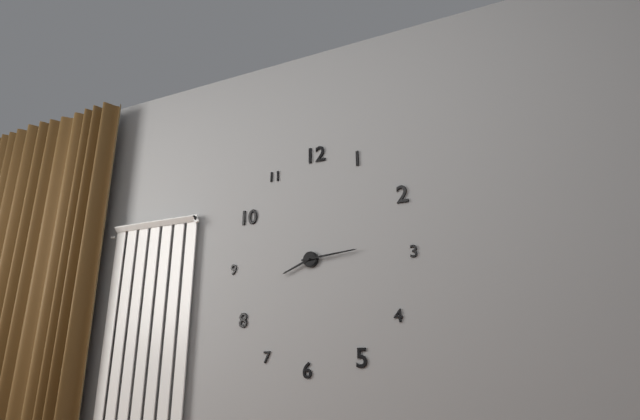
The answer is 8:14
